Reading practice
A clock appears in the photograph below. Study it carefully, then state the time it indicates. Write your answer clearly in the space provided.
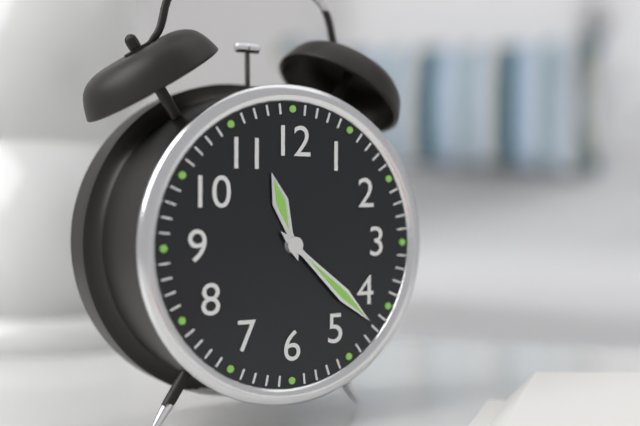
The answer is 11:22
